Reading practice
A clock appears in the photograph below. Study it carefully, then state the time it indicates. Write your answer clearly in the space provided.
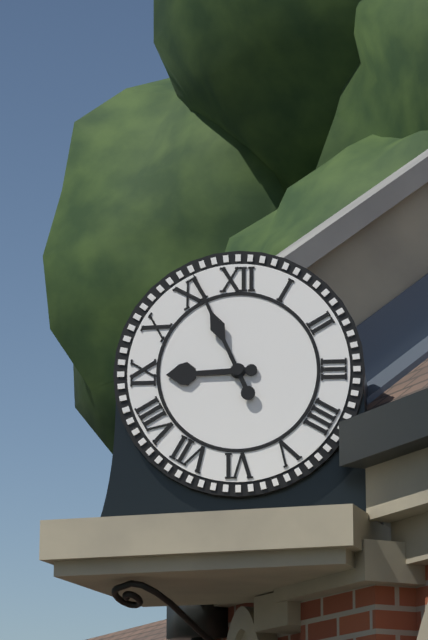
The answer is 8:56
